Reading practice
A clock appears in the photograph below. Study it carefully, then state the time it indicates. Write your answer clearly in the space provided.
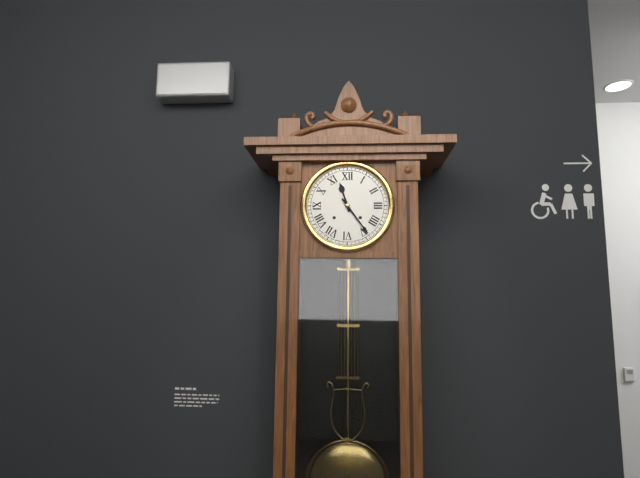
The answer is 11:24
